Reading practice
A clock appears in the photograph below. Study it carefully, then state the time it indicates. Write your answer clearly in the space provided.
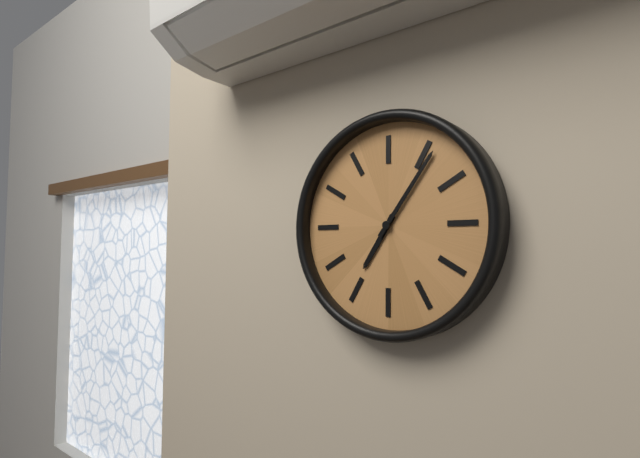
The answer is 7:06
